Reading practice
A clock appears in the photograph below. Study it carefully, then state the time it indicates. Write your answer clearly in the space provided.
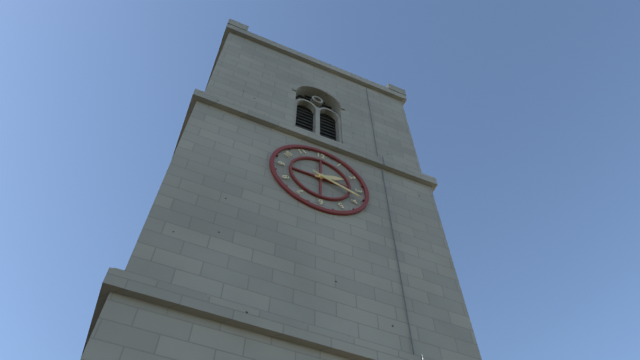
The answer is 2:18
